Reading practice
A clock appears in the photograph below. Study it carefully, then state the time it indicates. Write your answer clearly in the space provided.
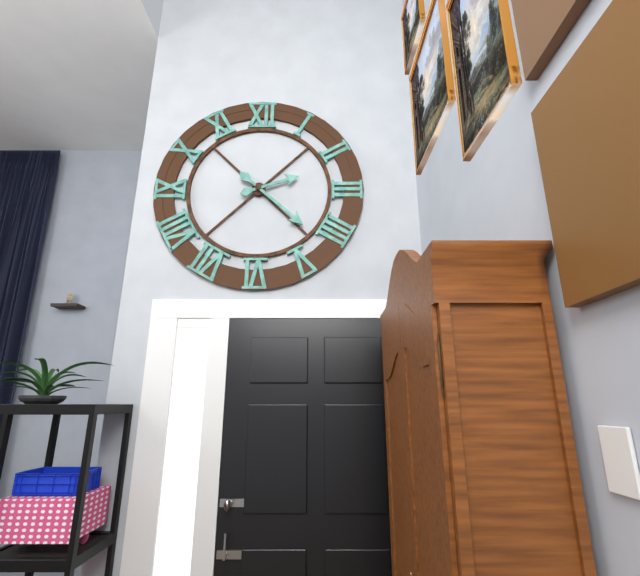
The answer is 2:22
